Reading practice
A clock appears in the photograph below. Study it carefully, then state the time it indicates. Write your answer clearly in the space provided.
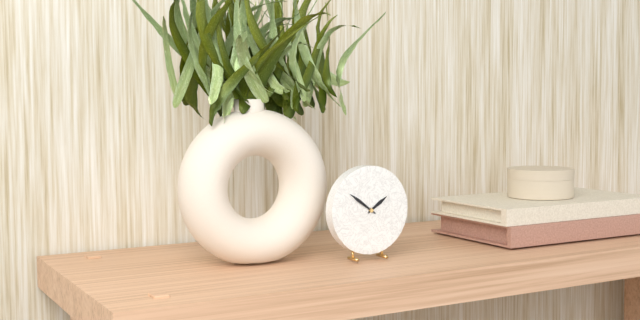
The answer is 1:51
